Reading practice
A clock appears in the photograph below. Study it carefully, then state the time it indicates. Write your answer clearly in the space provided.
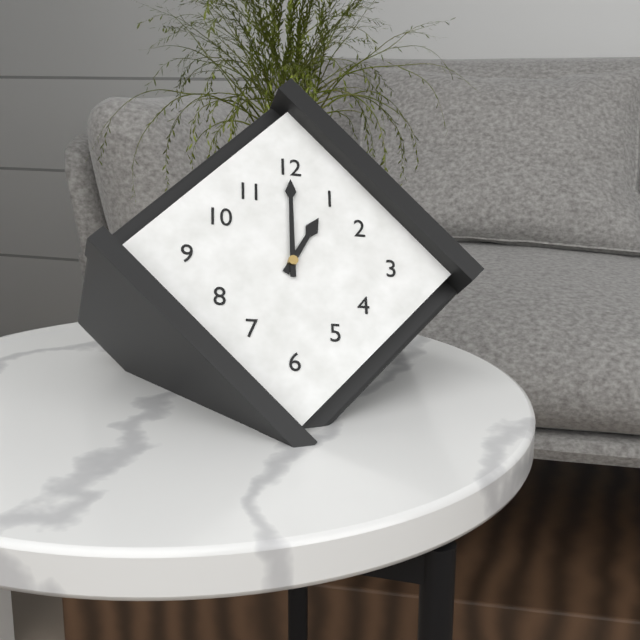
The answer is 1:00
